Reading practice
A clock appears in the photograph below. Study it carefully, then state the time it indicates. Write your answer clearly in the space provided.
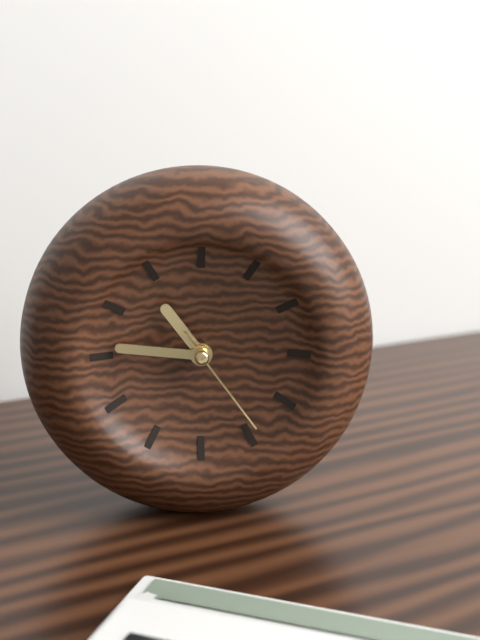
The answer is 10:46:24
